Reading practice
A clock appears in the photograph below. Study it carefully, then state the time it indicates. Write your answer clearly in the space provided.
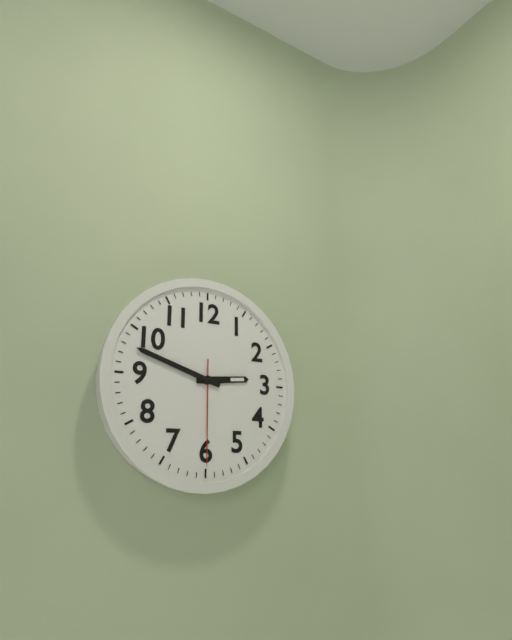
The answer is 2:48:30
